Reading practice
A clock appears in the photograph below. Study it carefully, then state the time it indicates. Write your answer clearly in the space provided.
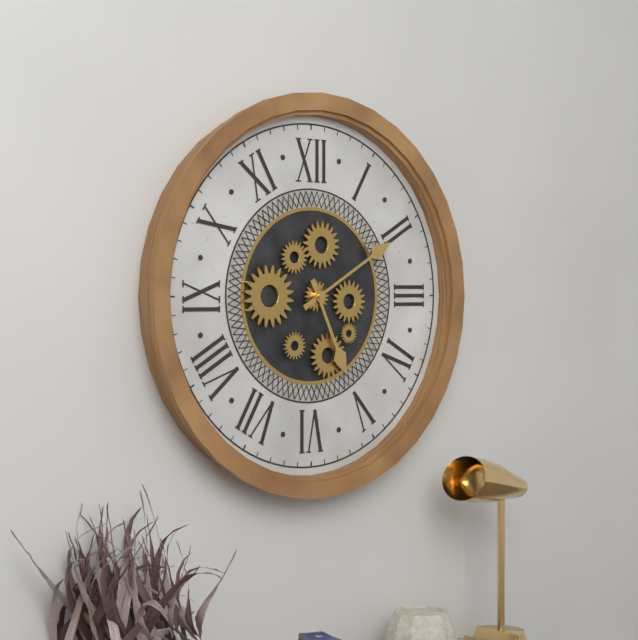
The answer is 5:10
